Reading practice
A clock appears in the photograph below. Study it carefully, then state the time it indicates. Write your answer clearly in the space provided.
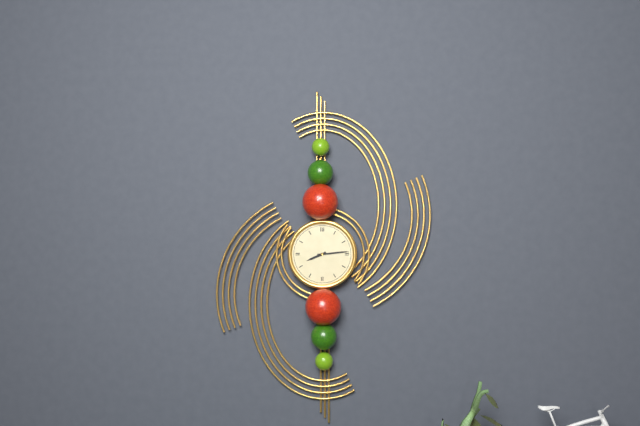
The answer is 8:14
